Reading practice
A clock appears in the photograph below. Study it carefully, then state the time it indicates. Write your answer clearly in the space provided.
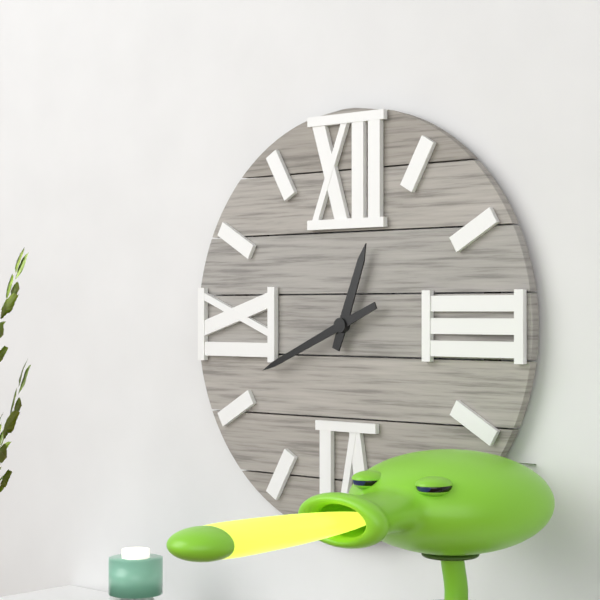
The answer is 12:41
